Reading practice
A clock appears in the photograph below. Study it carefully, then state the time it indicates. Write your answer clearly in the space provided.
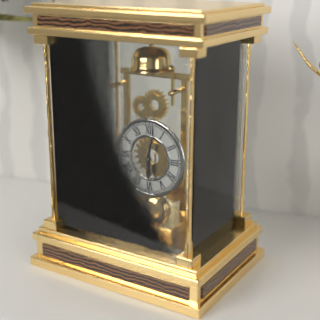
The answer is 6:02
